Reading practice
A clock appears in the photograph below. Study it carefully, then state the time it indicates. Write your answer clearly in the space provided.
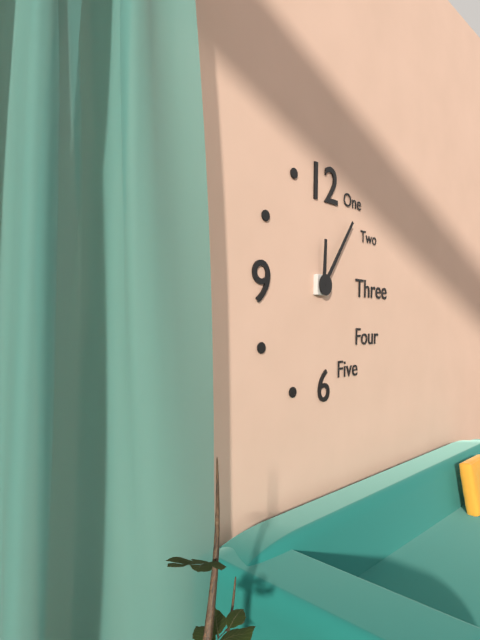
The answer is 12:06
